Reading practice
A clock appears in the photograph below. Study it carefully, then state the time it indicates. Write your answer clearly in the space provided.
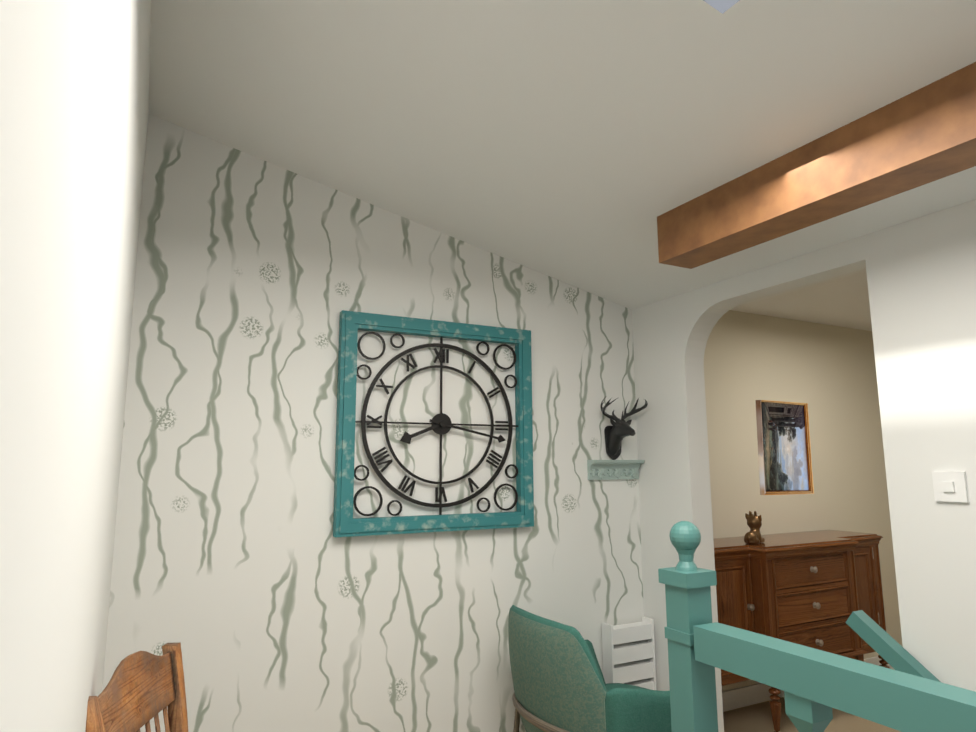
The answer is 8:17
